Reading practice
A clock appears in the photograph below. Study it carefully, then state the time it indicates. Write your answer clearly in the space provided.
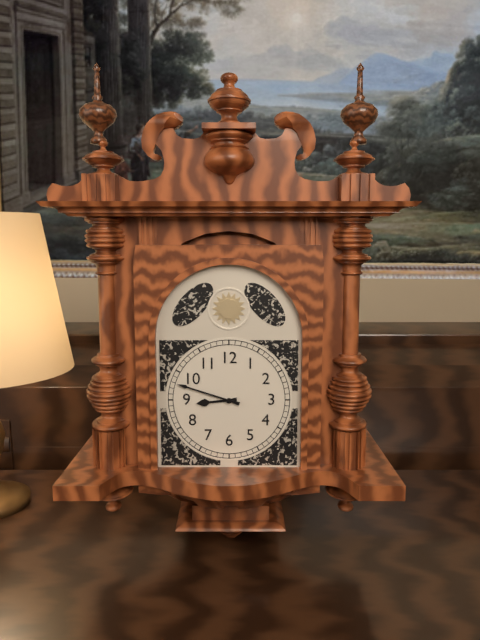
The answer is 8:48
